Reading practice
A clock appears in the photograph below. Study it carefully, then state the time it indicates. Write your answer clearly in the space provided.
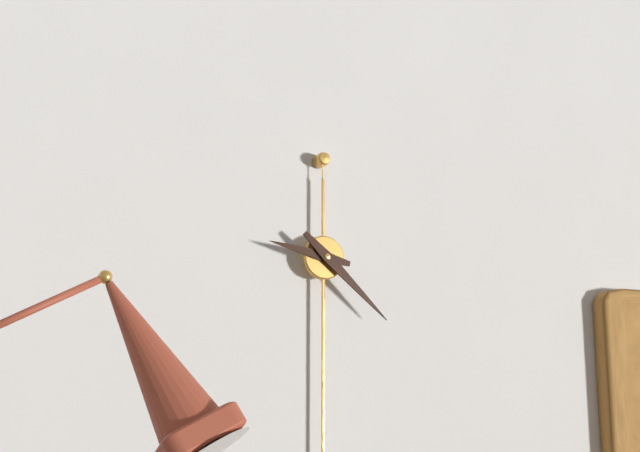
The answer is 9:22
